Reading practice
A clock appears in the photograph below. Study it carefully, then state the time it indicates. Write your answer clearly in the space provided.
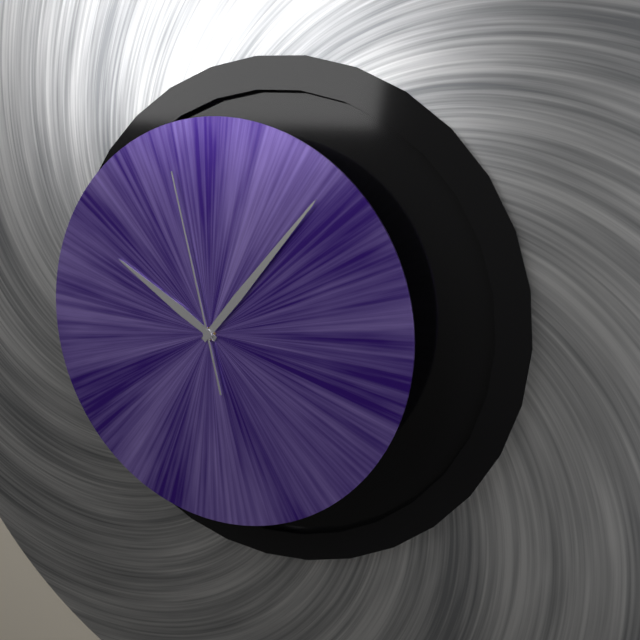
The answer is 10:07:58
